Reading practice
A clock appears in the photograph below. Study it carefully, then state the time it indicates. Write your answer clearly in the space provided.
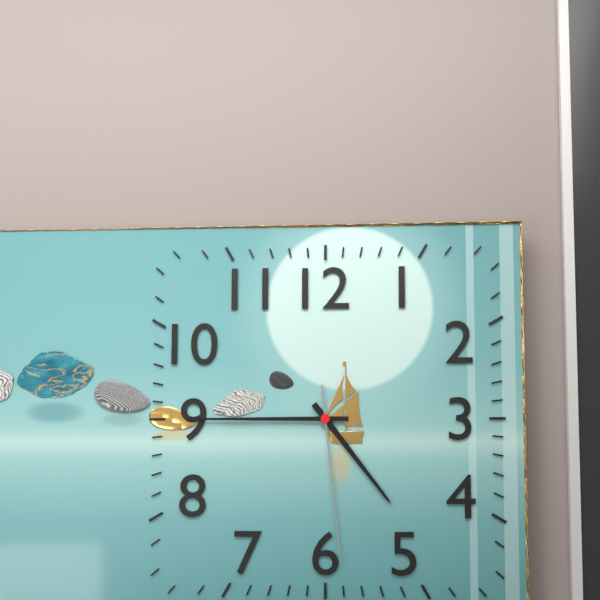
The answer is 4:45:29
